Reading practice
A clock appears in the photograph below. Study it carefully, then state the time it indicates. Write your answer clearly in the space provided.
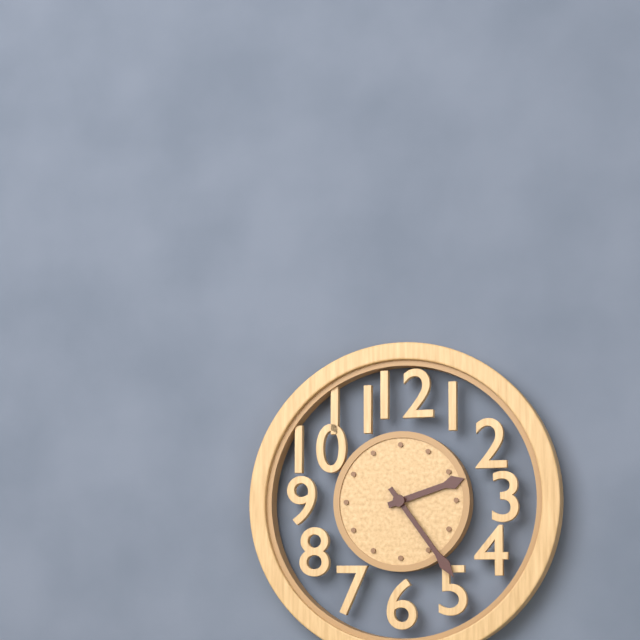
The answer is 2:24
